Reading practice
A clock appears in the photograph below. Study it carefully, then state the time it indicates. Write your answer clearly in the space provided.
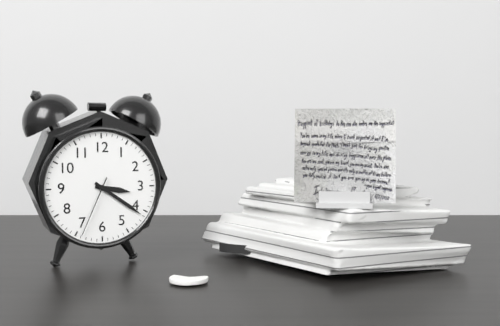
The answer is 3:21:34
